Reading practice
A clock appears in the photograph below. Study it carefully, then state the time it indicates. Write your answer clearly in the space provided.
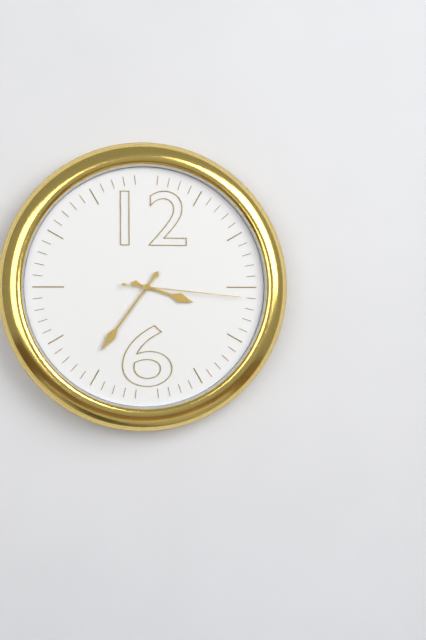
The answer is 3:36:16
